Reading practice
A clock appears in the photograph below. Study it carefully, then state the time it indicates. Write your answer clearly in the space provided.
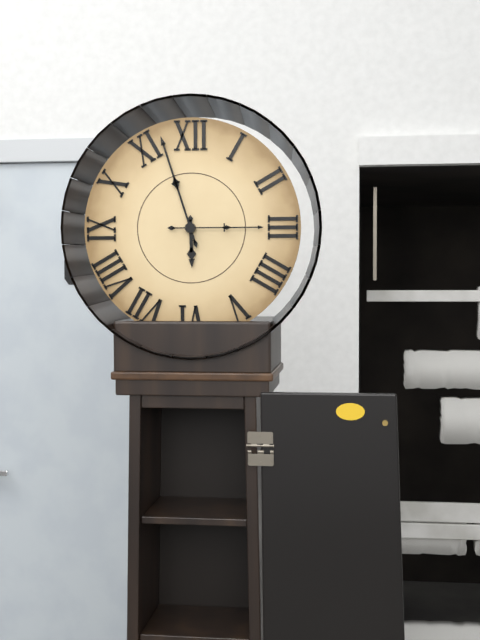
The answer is 5:57:15
